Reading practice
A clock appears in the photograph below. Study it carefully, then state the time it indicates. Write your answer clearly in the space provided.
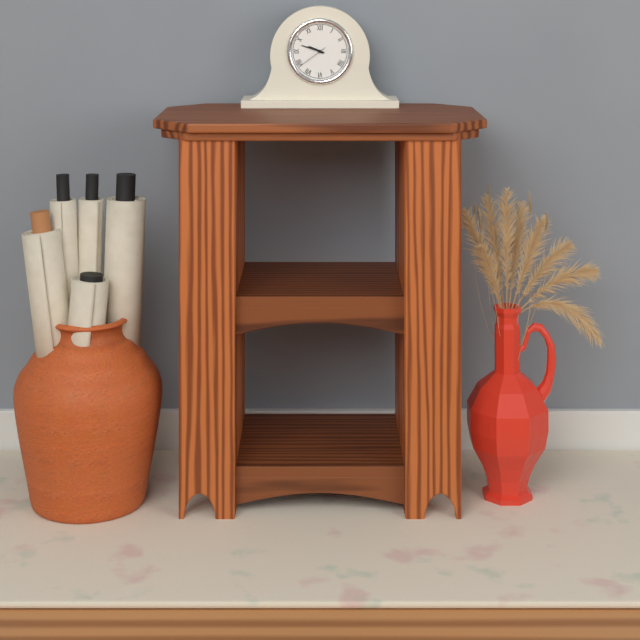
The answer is 9:48
